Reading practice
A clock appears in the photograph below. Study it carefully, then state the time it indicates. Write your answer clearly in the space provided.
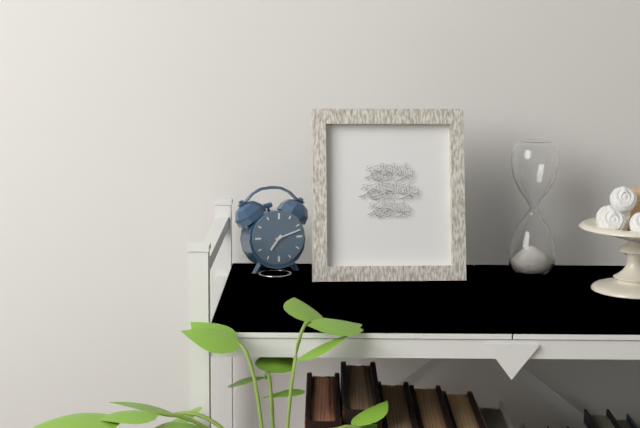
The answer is 7:12
